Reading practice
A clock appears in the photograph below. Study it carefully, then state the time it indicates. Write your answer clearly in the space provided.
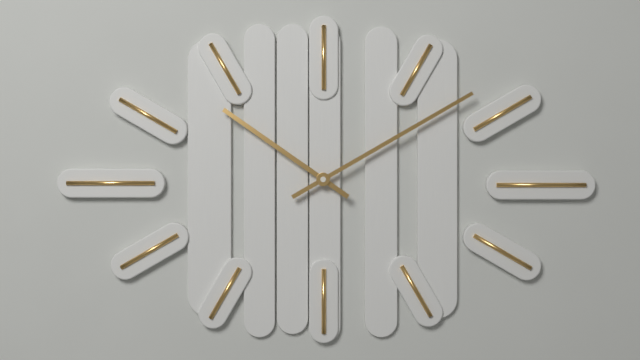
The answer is 10:10
